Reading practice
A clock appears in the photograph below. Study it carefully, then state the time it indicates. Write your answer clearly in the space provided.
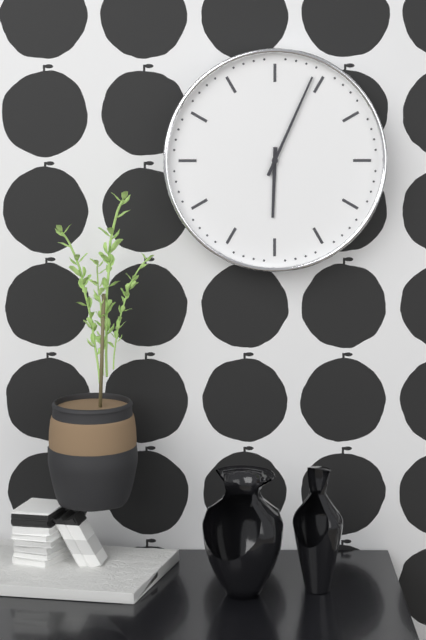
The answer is 6:04
